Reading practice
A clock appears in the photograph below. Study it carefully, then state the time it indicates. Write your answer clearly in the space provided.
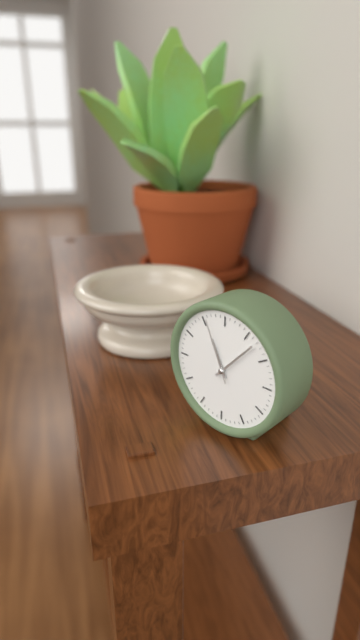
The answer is 11:07:56
